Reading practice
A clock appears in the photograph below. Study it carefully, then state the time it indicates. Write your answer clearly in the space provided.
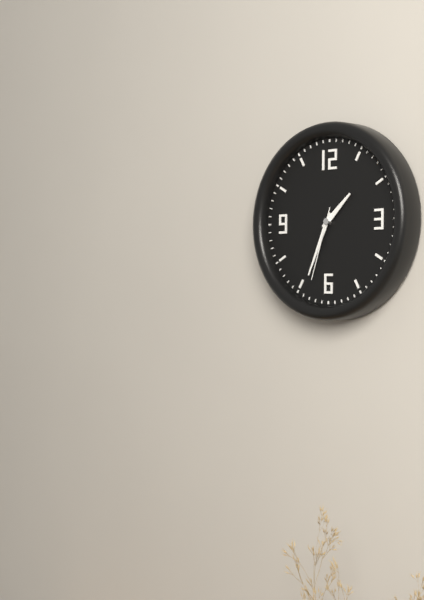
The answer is 1:34:33
